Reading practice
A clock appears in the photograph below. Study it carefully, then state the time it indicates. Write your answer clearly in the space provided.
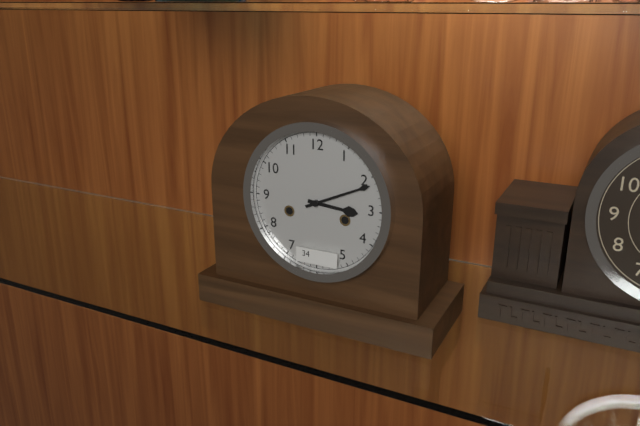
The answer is 3:11
